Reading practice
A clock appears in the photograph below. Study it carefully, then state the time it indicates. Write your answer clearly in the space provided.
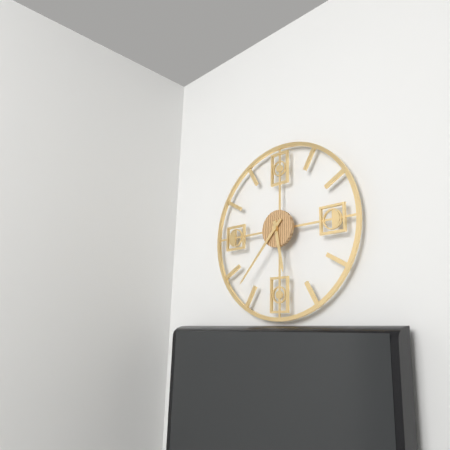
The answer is 5:37
